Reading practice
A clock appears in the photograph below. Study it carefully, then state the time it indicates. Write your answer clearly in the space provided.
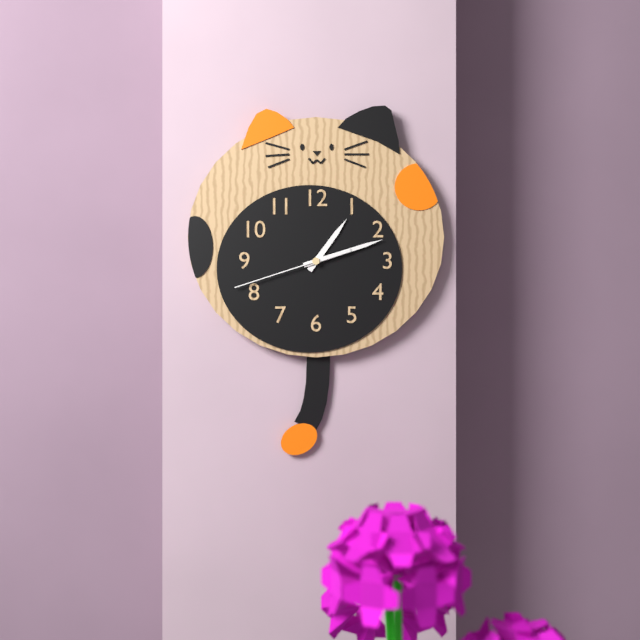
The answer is 1:12:42
